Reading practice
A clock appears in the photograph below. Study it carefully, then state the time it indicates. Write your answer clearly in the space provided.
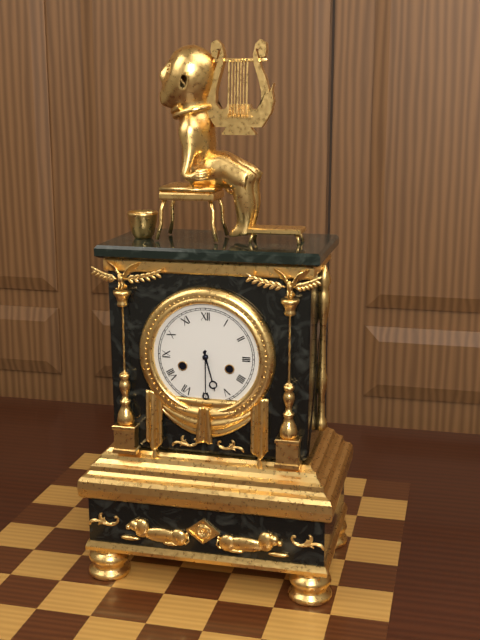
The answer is 5:30
